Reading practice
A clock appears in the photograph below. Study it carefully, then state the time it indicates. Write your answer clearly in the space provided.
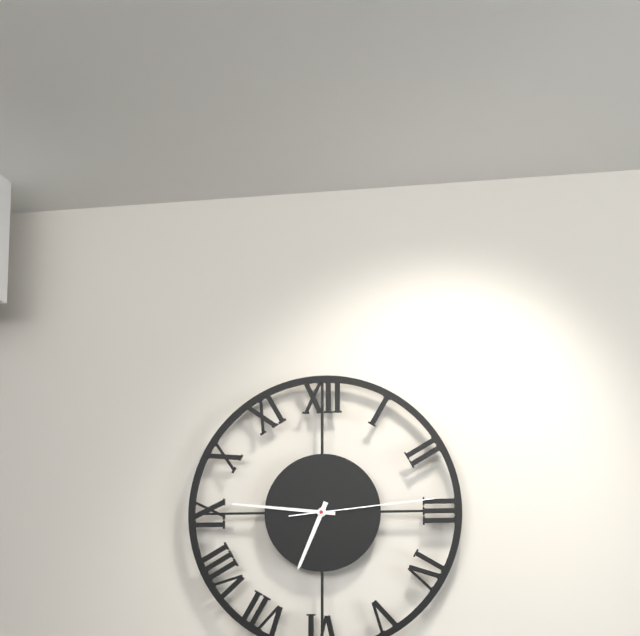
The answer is 6:46:14
